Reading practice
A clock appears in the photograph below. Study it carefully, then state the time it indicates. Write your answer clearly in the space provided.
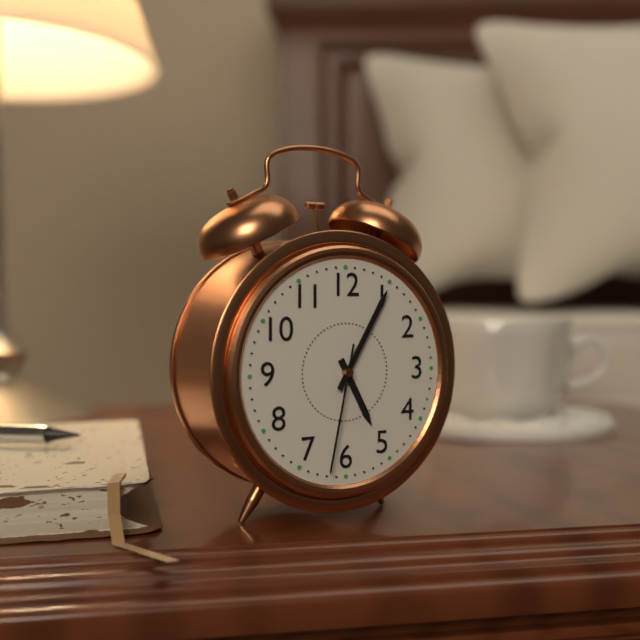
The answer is 5:05:32
